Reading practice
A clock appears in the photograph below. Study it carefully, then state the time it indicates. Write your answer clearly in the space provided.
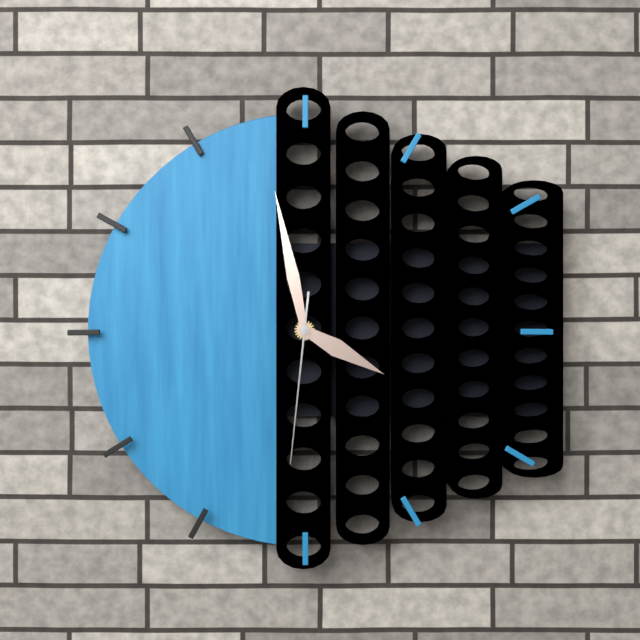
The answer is 3:58:31
